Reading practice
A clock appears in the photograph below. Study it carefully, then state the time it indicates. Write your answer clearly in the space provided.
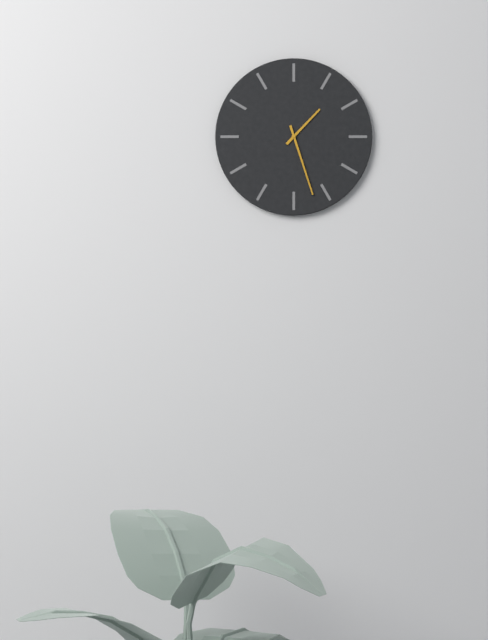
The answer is 1:27
